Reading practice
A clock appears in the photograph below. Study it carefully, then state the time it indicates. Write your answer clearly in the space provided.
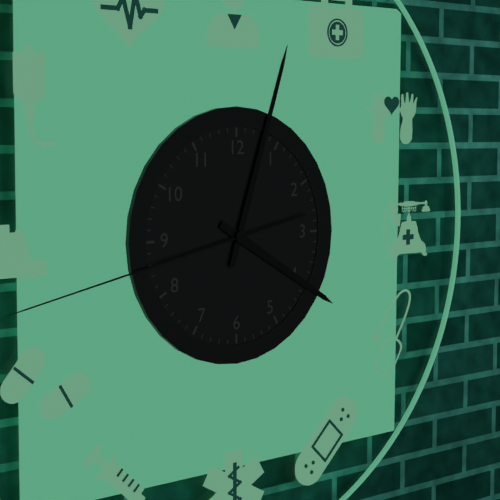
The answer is 4:03
